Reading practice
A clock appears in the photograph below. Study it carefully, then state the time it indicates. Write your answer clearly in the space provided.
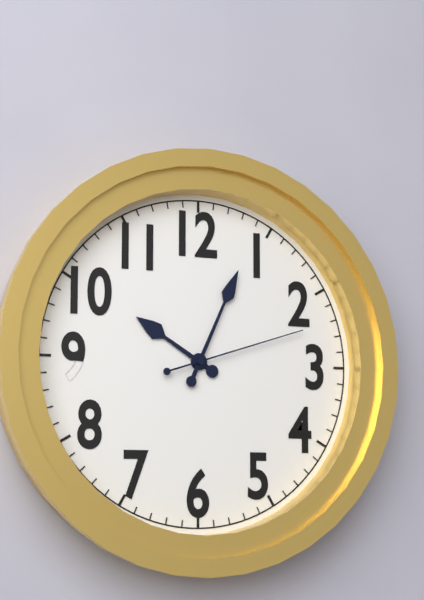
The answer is 10:04:12
